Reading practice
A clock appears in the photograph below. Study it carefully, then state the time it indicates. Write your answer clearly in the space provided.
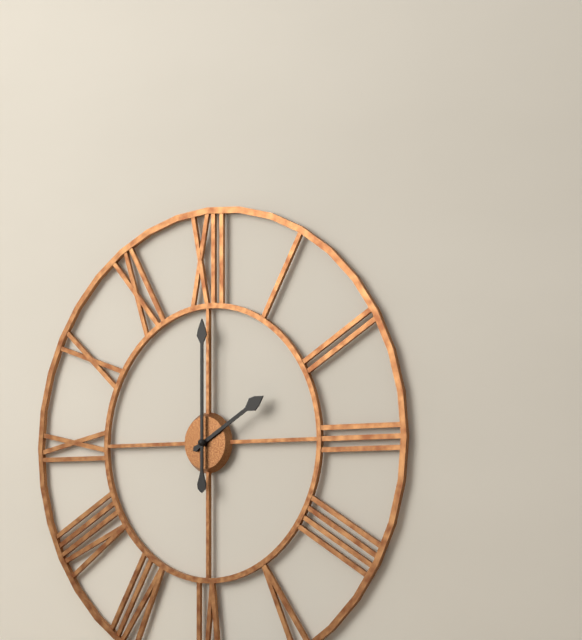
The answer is 2:00
